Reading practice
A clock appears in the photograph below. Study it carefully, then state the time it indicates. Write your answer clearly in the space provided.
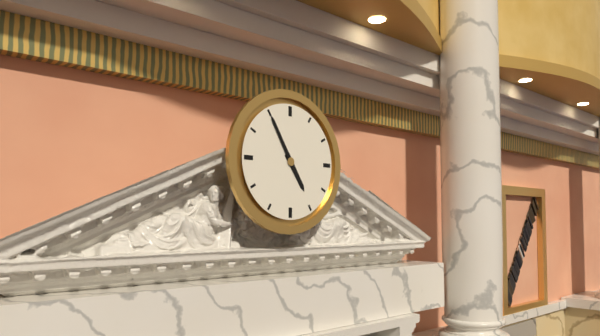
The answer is 4:55
